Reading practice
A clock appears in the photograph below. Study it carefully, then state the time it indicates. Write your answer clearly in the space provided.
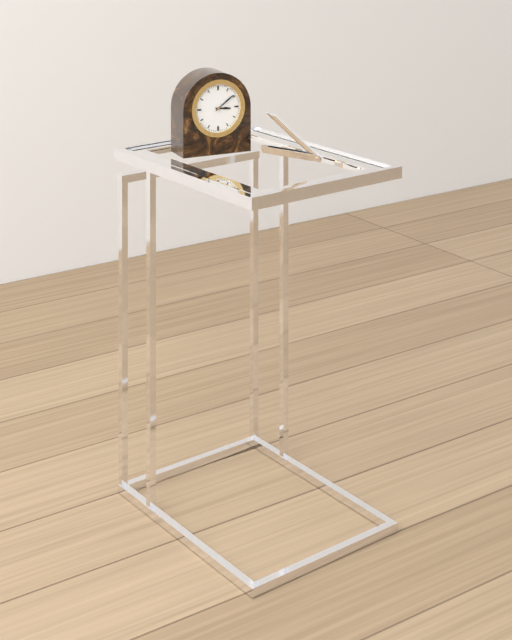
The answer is 3:09
